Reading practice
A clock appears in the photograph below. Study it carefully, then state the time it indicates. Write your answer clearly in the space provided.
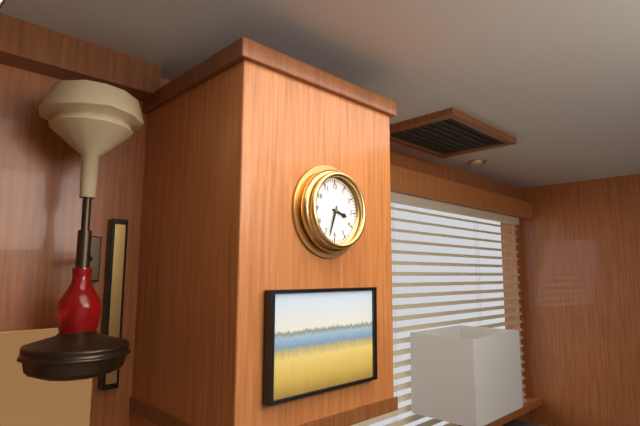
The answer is 3:33
